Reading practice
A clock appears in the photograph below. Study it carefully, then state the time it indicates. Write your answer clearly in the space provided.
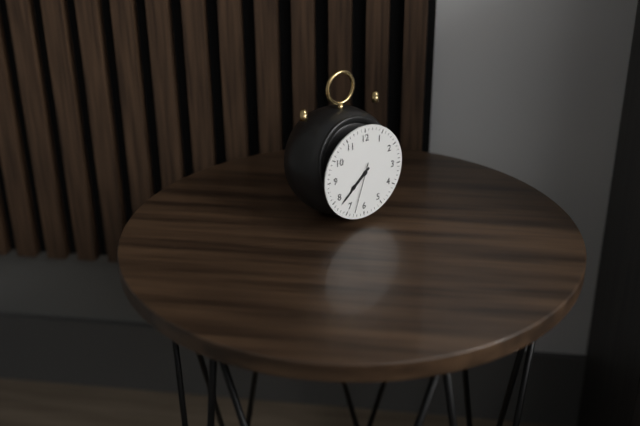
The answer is 7:38:33
